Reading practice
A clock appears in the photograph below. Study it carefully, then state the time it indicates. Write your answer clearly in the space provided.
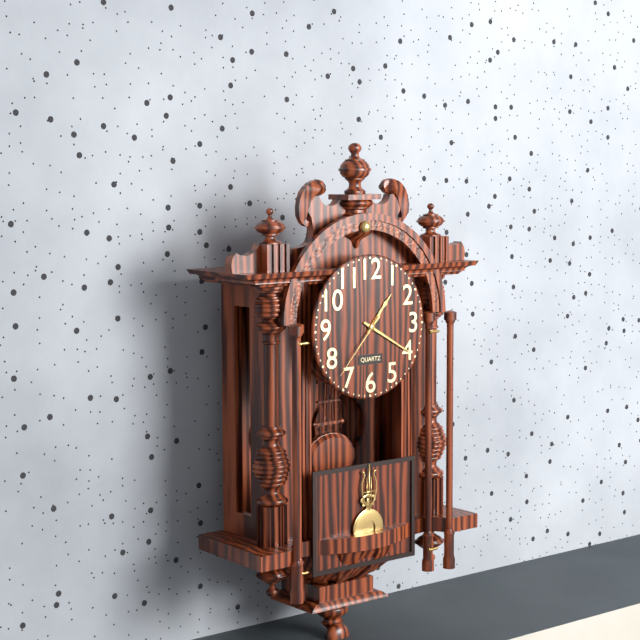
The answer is 1:20:37
